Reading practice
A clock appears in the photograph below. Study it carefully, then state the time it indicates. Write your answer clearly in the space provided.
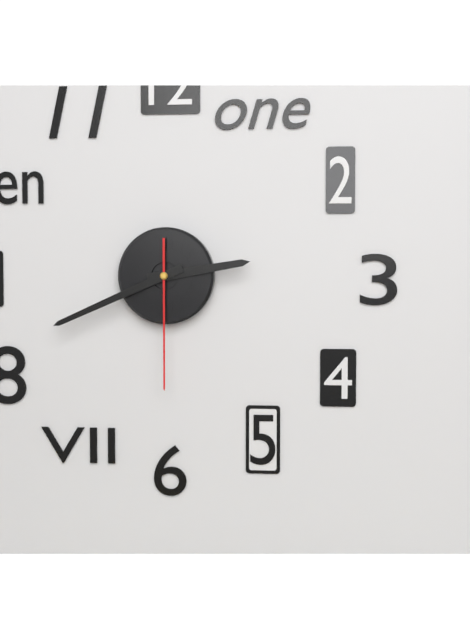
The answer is 2:41:30
